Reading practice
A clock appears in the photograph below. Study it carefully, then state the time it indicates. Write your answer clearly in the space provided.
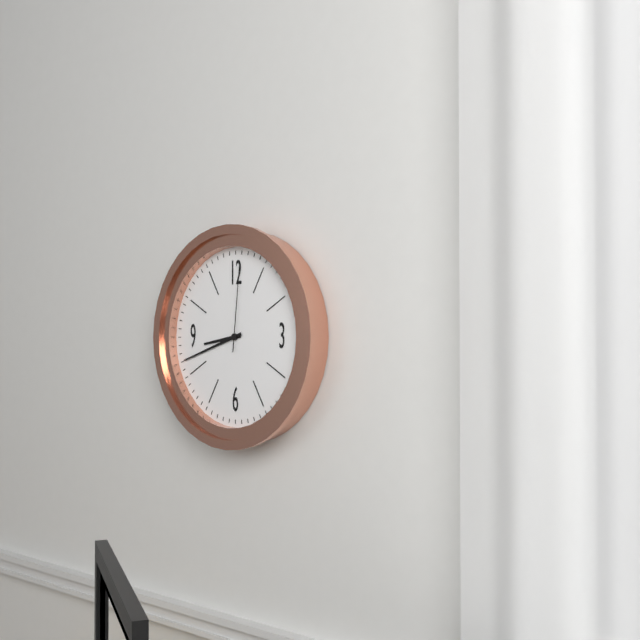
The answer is 8:42:01
